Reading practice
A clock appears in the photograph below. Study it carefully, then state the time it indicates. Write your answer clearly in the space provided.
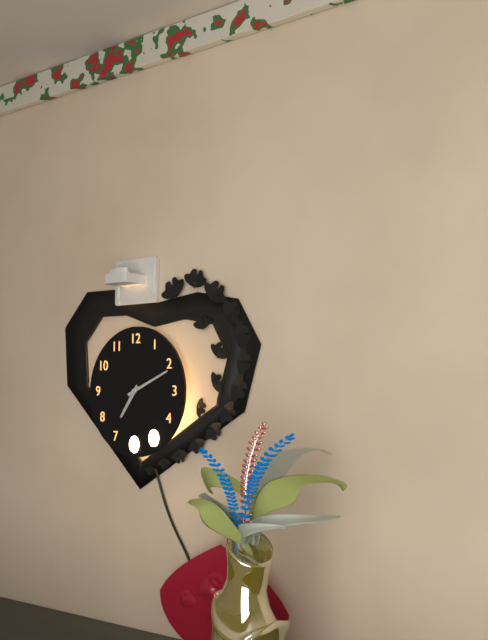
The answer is 7:11
